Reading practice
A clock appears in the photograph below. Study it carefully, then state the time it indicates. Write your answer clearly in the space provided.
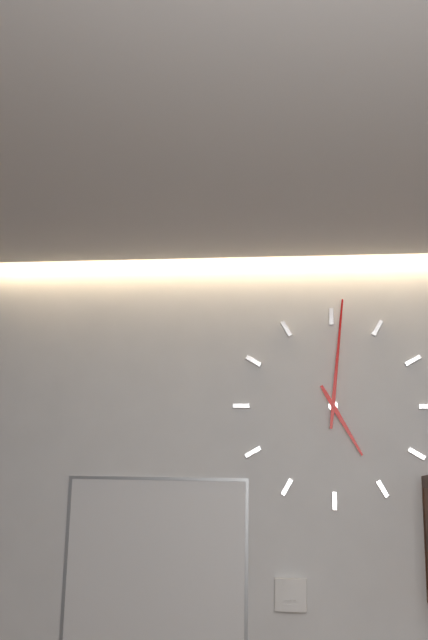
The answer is 5:01
